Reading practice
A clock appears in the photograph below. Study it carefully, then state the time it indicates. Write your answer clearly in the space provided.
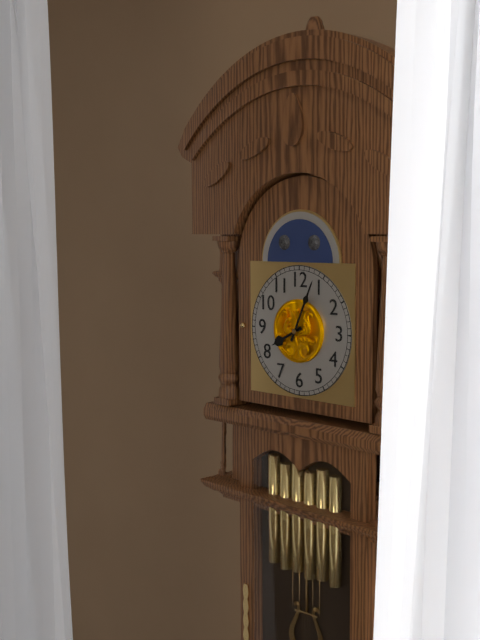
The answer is 8:04
